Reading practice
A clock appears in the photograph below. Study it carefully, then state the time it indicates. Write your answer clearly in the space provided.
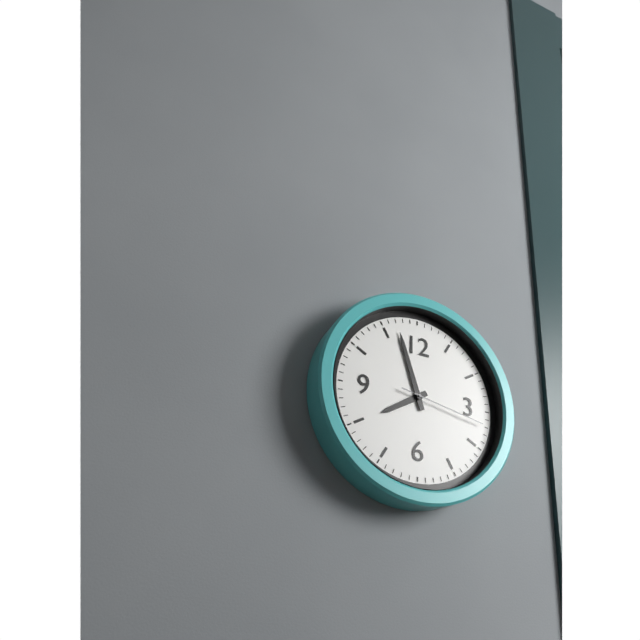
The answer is 7:57:17
